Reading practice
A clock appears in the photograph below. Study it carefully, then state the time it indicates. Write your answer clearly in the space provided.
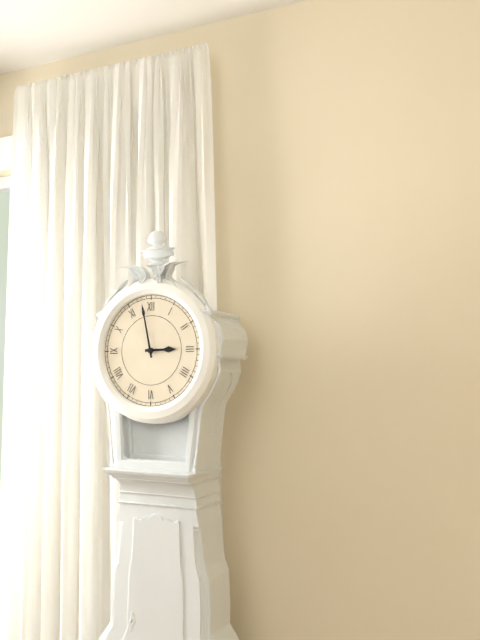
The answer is 2:58
